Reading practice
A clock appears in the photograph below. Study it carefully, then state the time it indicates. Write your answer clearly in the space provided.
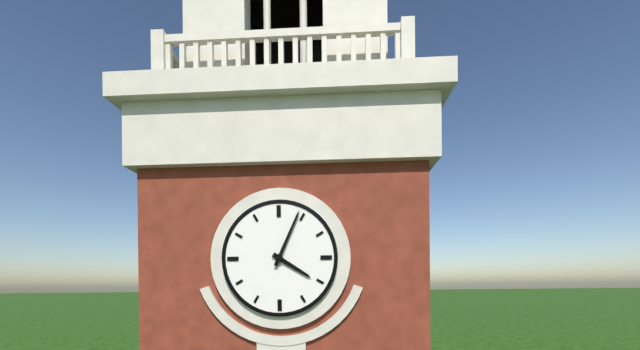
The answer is 4:04
